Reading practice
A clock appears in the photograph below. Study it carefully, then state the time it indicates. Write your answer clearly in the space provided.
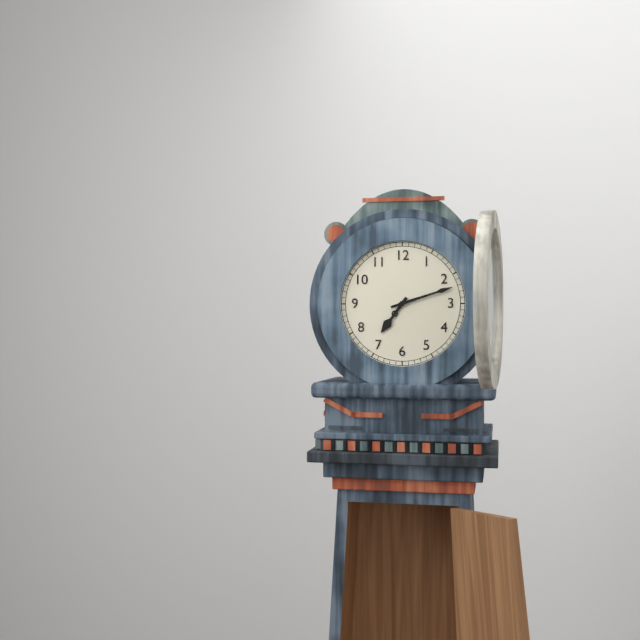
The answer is 7:12
